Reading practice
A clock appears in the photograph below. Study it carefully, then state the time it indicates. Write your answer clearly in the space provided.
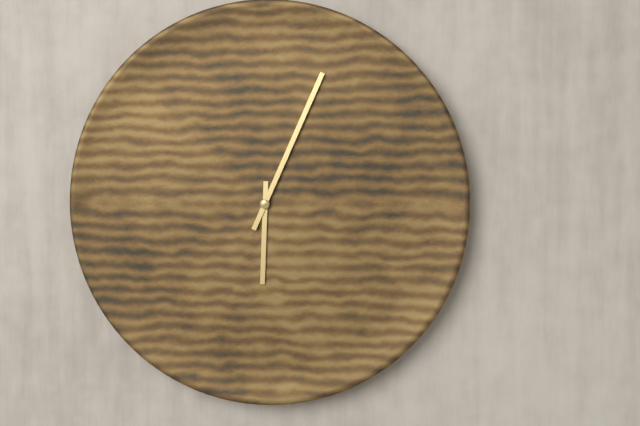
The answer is 6:04
